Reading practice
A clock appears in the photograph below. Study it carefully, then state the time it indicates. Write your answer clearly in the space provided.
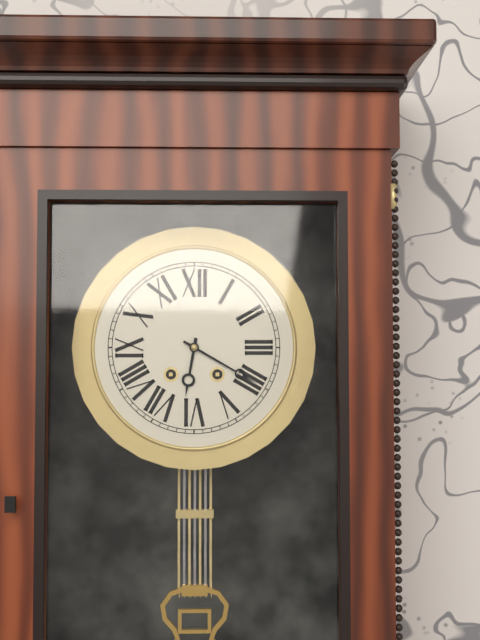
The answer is 6:20
